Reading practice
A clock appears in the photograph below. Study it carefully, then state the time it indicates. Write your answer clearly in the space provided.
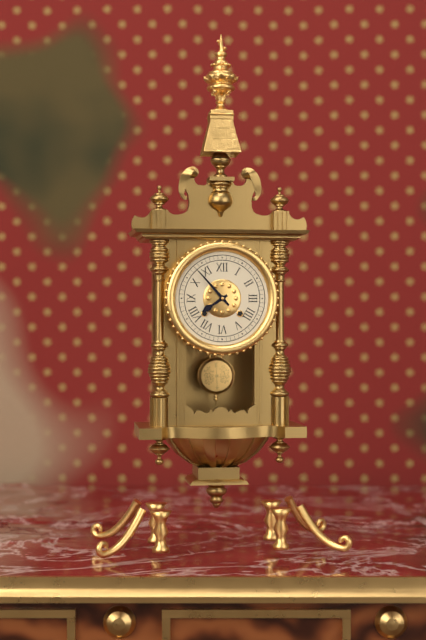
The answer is 7:53
